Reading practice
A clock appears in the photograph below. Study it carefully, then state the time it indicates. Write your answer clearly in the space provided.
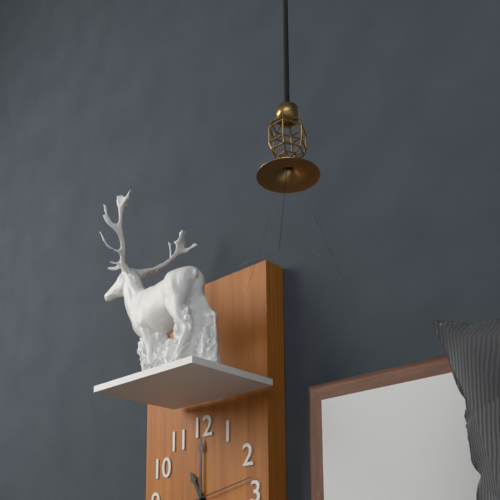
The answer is 11:00:13
